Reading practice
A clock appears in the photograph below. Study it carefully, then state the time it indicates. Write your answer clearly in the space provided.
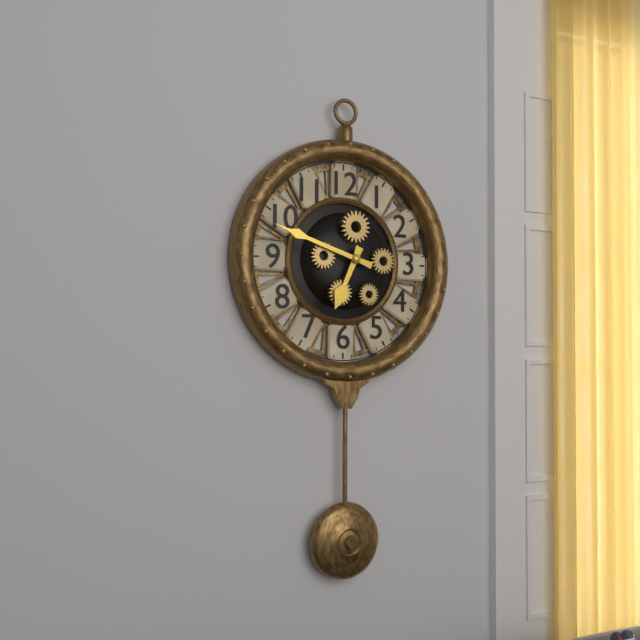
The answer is 6:48
